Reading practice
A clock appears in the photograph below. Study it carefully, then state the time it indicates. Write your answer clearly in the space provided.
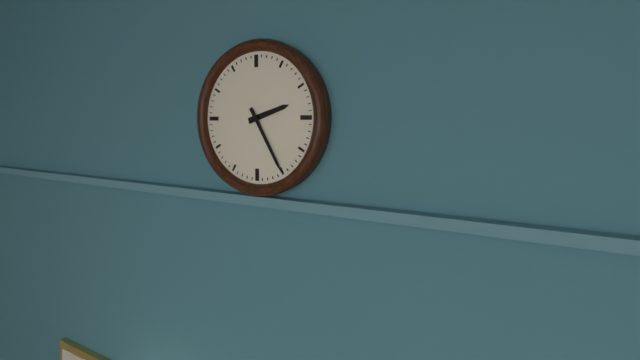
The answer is 2:25
